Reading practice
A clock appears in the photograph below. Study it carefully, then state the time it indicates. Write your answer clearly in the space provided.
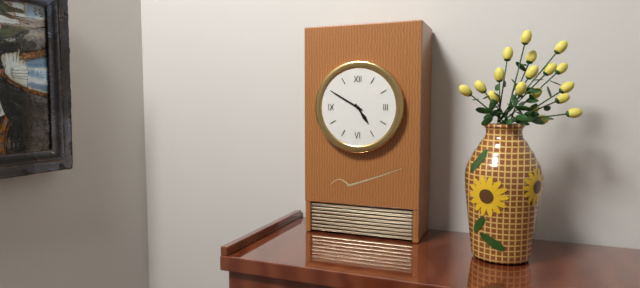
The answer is 4:50
